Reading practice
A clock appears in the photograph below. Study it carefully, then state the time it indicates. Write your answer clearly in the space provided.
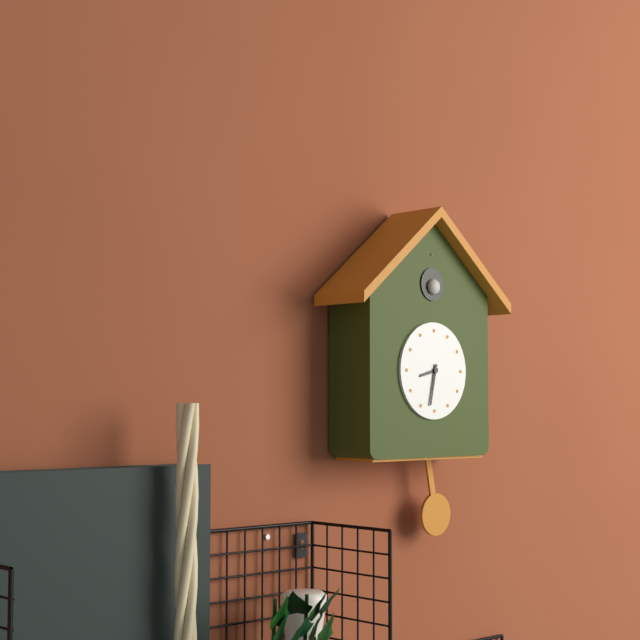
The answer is 8:32
